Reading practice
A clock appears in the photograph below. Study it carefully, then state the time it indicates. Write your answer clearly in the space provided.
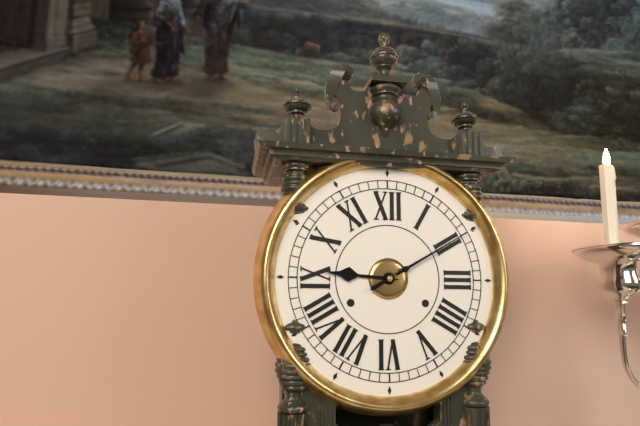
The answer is 9:10
